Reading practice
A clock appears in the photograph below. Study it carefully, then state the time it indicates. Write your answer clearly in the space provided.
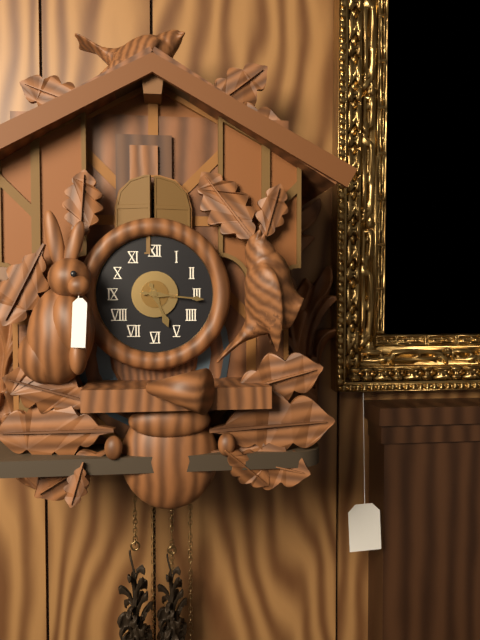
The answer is 5:16
